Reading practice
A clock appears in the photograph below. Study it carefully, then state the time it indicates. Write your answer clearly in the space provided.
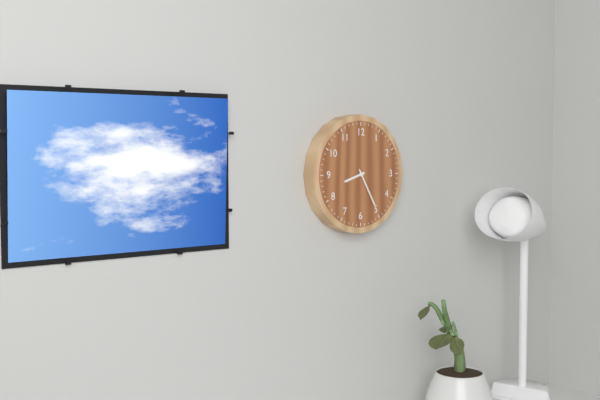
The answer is 8:25
